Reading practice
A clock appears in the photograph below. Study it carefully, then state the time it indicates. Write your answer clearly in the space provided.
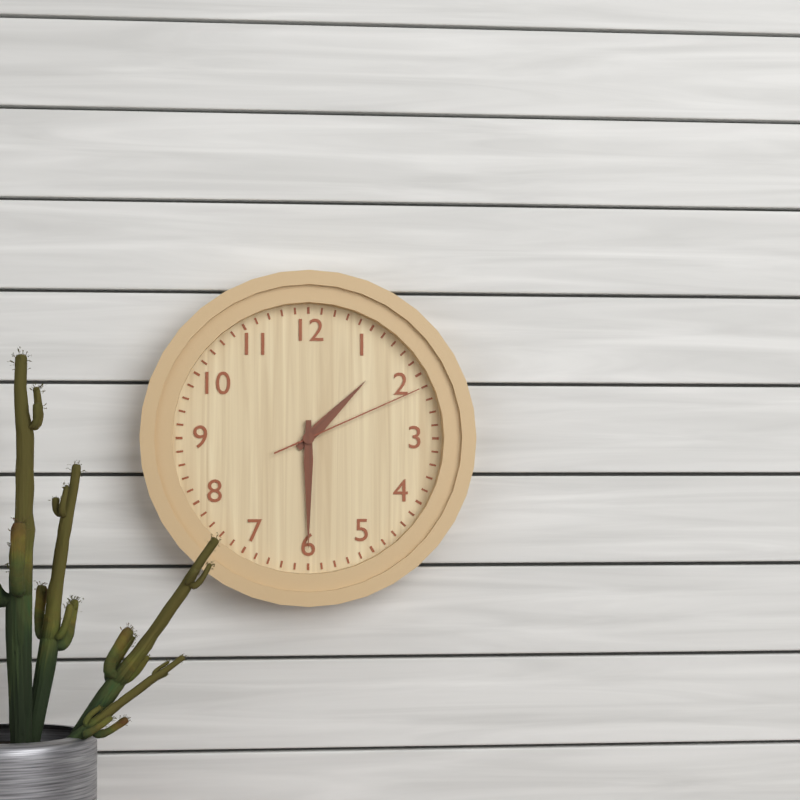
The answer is 1:30:11
